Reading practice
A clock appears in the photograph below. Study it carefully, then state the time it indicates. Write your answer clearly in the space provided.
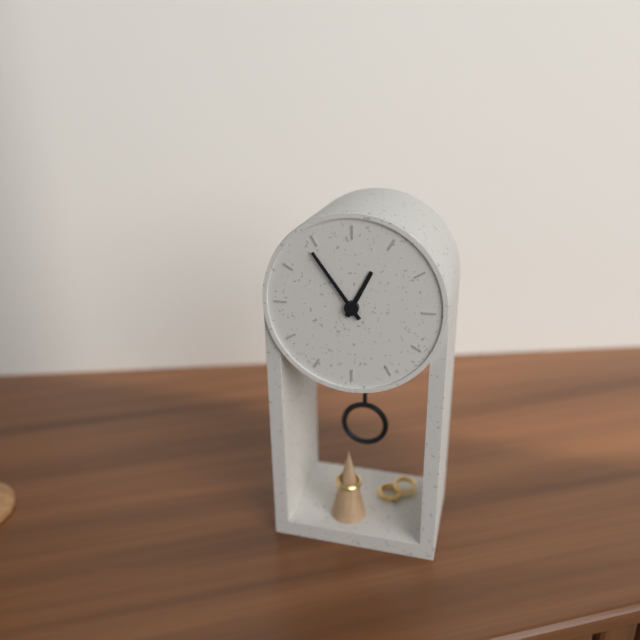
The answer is 12:54
